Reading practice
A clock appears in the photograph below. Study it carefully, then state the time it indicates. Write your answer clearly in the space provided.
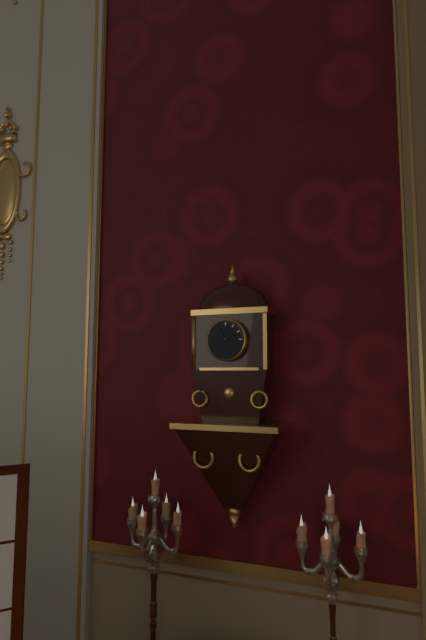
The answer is 1:55
